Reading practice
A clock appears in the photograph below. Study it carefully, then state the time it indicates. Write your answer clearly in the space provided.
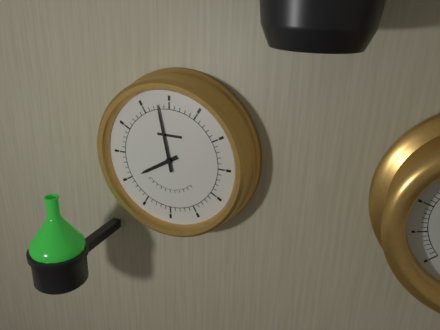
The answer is 7:58
